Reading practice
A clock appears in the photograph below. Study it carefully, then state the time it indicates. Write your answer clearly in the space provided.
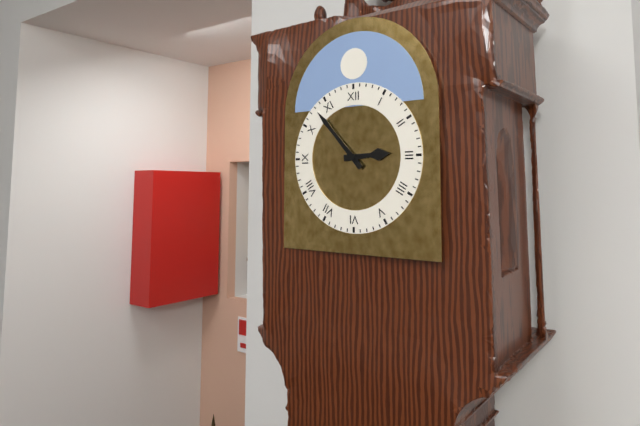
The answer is 2:53
